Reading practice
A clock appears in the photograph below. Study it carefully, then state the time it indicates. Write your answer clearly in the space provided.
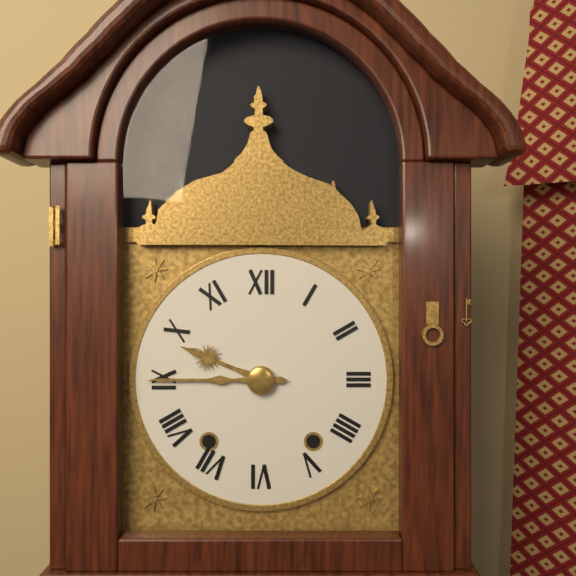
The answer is 9:45
